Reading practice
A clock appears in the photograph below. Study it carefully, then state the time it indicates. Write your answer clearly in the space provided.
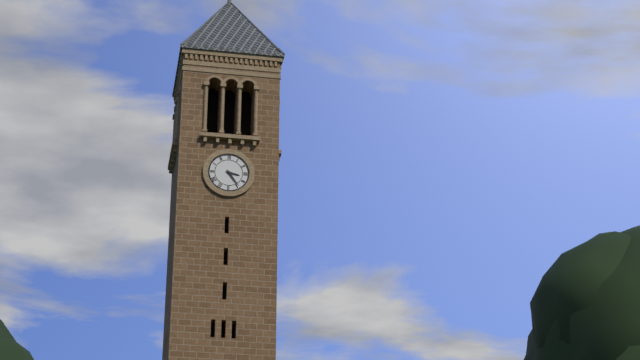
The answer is 3:24
